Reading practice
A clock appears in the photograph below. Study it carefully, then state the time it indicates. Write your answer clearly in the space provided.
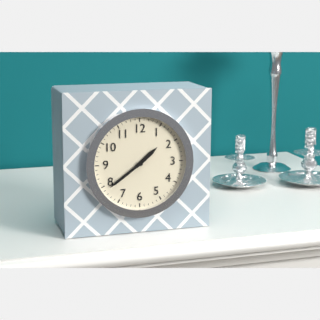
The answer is 1:39
